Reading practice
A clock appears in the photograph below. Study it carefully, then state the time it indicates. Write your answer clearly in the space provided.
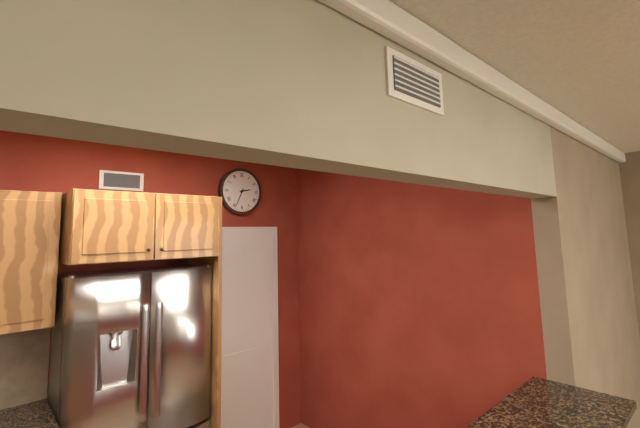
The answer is 2:34
